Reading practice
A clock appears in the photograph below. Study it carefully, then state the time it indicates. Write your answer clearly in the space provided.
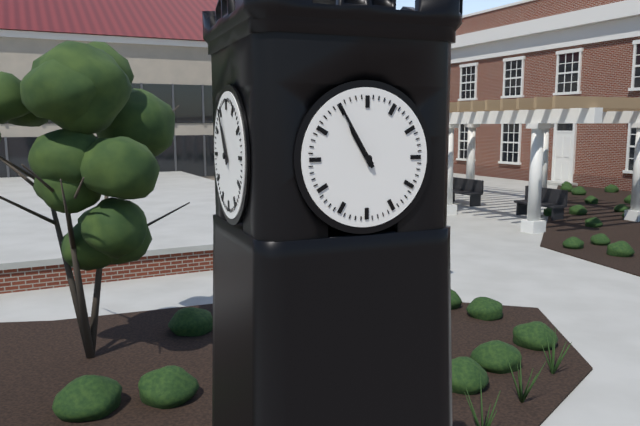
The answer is 10:55
